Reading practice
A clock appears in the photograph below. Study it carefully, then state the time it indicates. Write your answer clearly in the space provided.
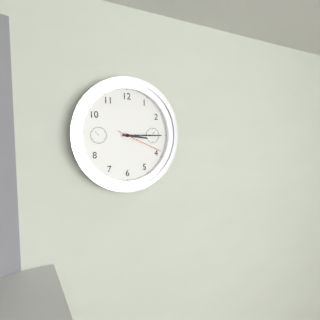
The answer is 3:15
